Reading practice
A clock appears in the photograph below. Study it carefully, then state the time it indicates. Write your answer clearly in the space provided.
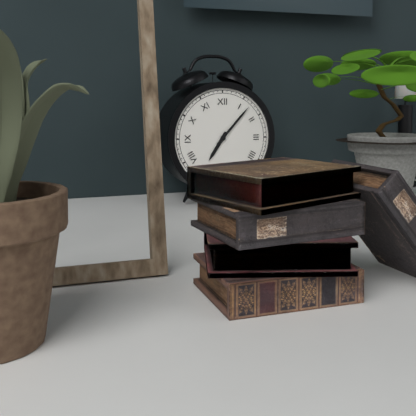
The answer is 7:07
